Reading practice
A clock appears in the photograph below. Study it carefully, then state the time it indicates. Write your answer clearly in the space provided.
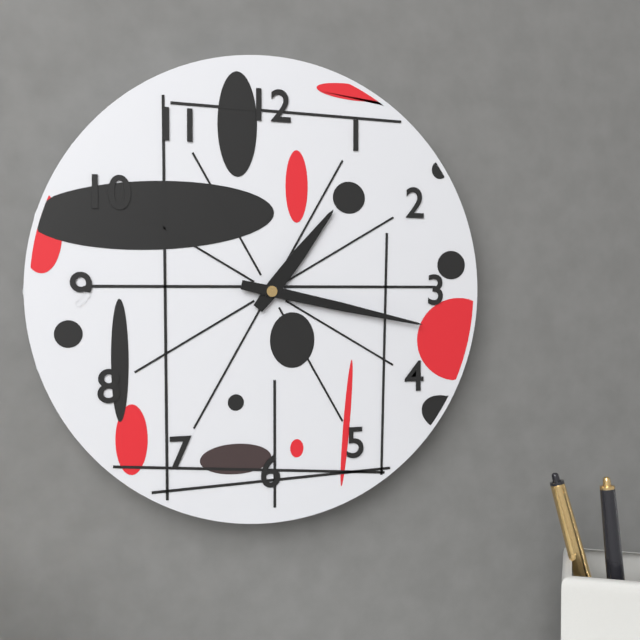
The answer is 1:17
